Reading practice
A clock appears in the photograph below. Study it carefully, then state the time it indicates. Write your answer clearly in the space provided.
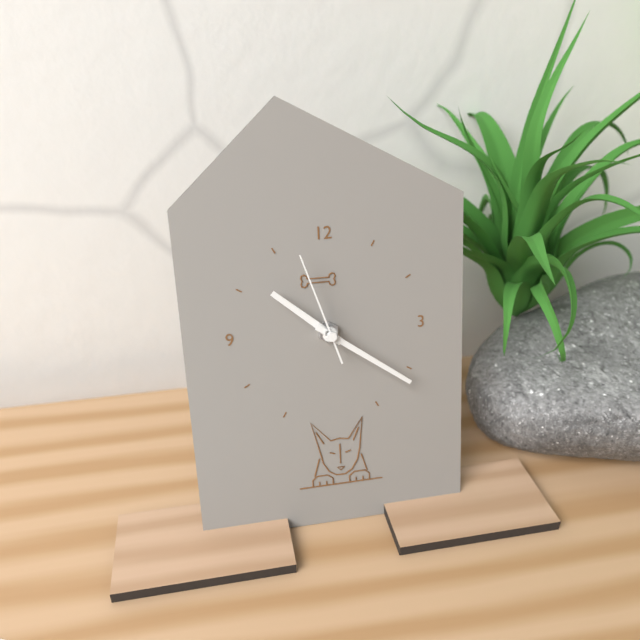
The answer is 10:21:57
